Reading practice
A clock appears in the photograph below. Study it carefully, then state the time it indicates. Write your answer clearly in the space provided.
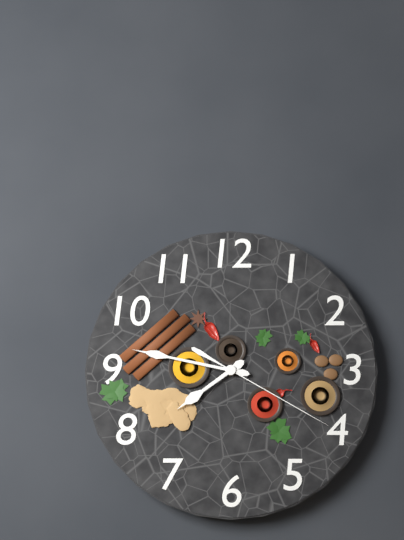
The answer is 7:47:20
